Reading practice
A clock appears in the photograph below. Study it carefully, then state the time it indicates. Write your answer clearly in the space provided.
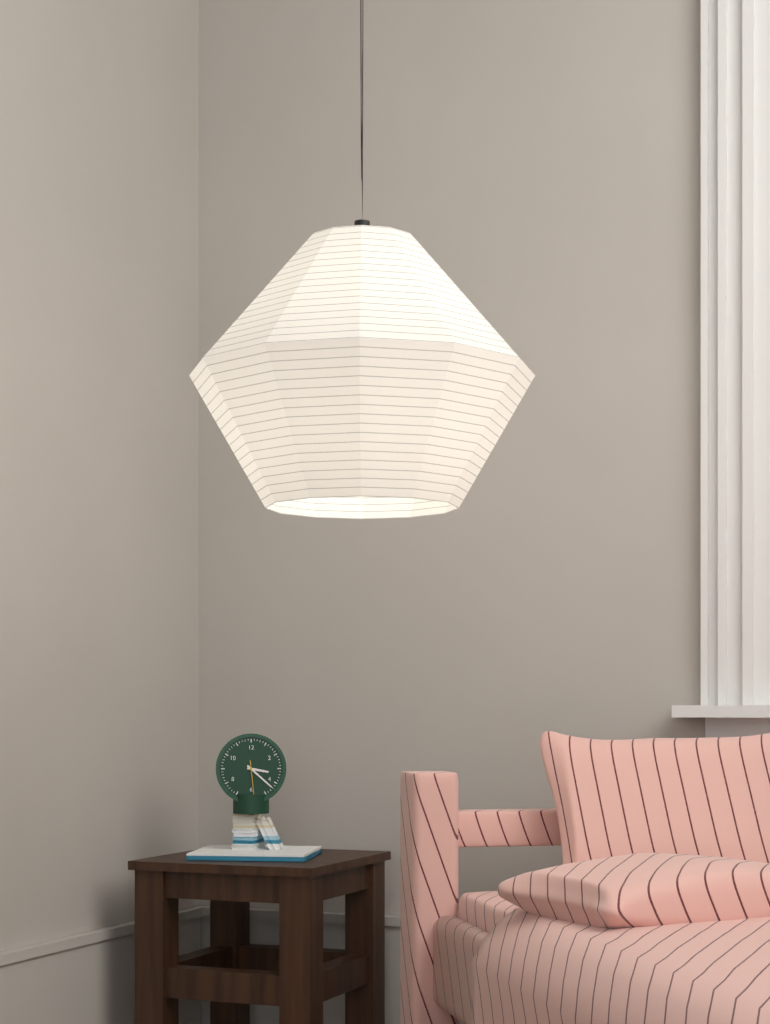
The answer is 3:22
